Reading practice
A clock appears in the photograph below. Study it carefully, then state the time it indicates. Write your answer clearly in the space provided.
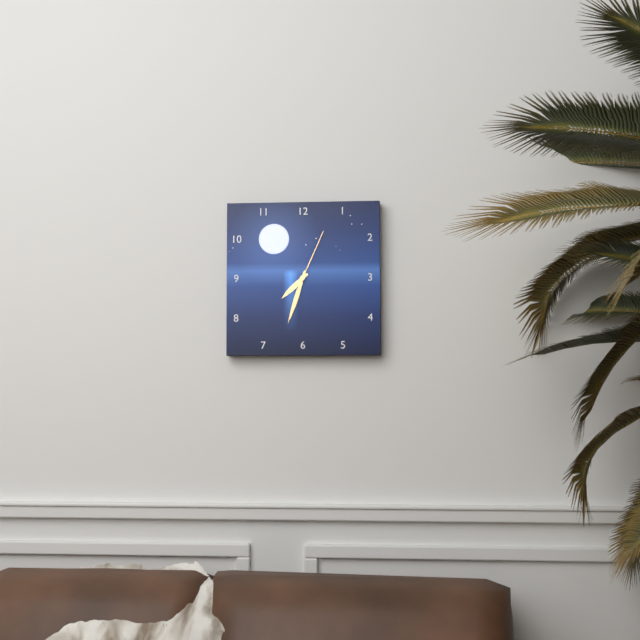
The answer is 7:33:04
